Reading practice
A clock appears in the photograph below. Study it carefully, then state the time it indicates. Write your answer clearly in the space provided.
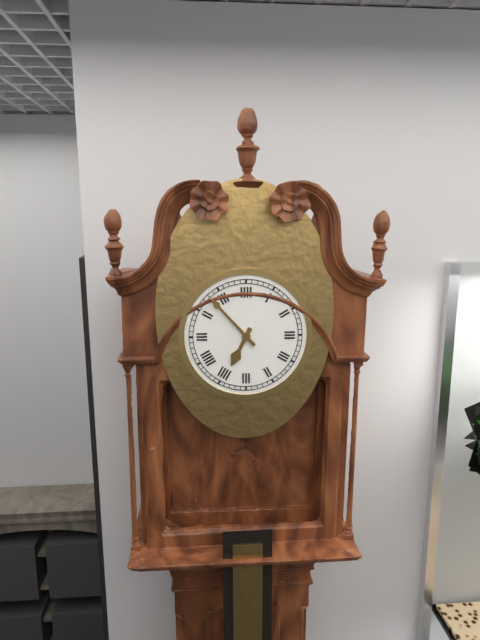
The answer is 6:53
